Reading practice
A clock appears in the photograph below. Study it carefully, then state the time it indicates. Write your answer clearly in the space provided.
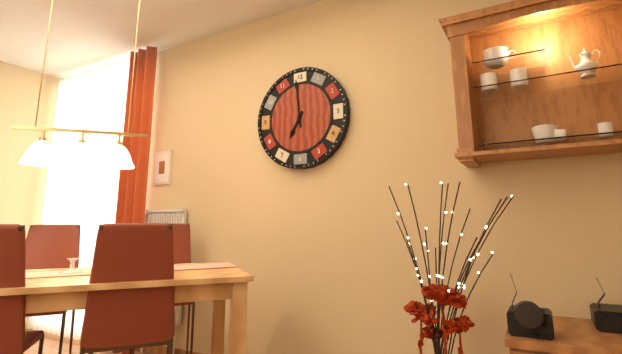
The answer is 6:59
